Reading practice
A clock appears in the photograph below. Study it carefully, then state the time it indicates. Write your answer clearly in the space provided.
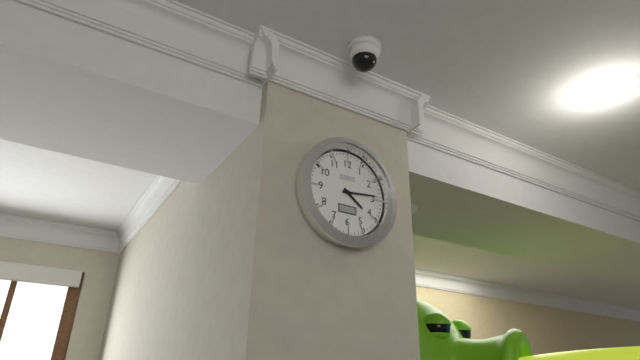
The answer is 4:14
